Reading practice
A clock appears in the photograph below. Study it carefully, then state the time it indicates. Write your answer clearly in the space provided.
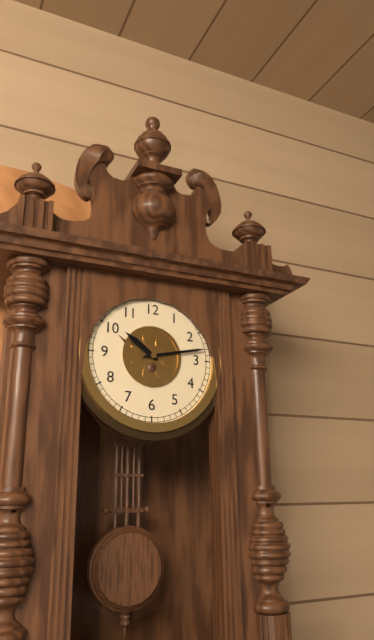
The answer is 10:13
